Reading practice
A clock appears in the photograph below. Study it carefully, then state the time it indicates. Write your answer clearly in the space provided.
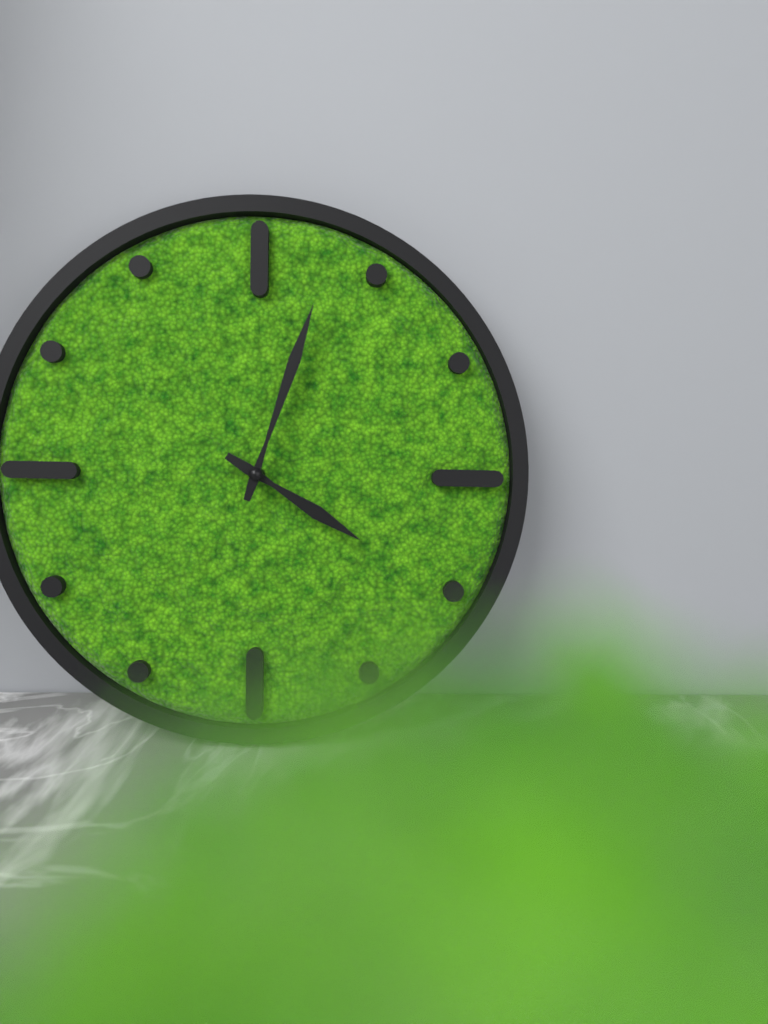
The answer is 4:03
